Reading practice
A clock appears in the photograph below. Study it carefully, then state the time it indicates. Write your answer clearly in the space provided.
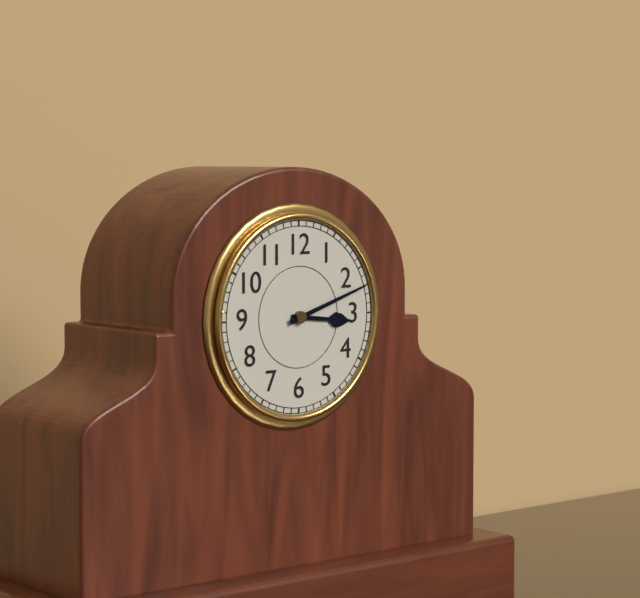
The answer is 3:12
